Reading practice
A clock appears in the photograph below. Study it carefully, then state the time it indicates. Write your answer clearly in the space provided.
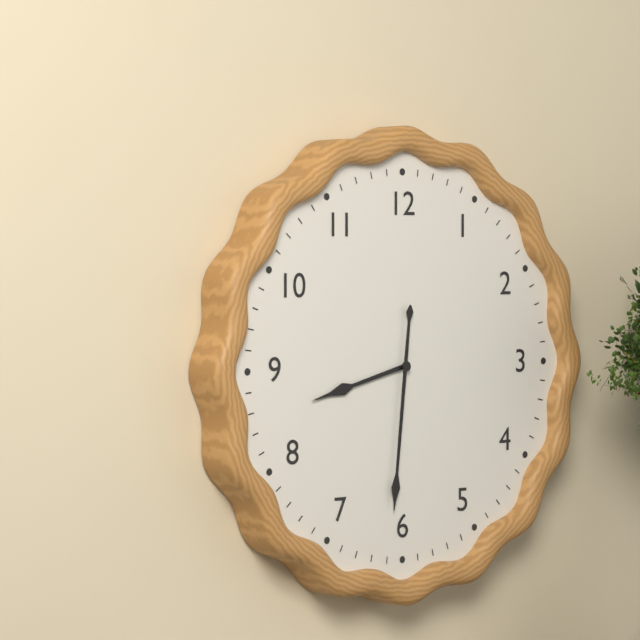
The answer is 8:31
